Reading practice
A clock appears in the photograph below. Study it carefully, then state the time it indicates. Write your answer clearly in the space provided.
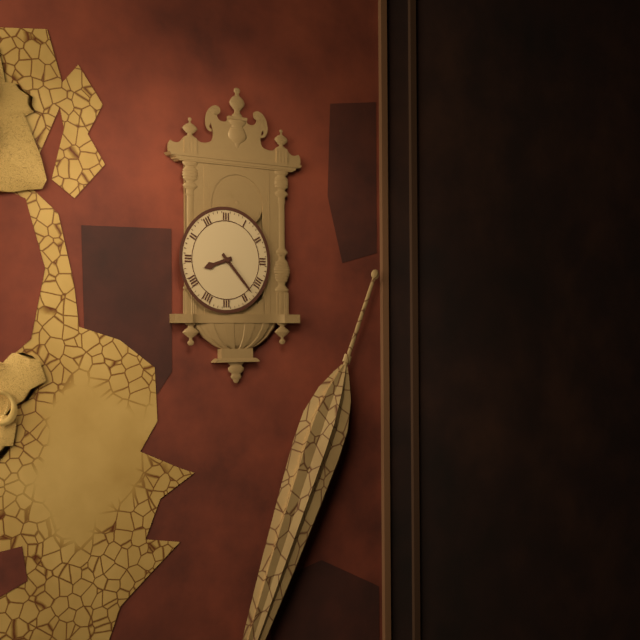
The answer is 8:23
